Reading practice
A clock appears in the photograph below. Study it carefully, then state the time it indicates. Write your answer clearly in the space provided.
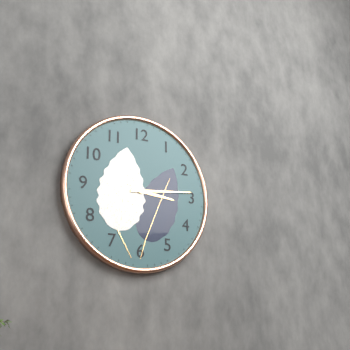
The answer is 3:14
